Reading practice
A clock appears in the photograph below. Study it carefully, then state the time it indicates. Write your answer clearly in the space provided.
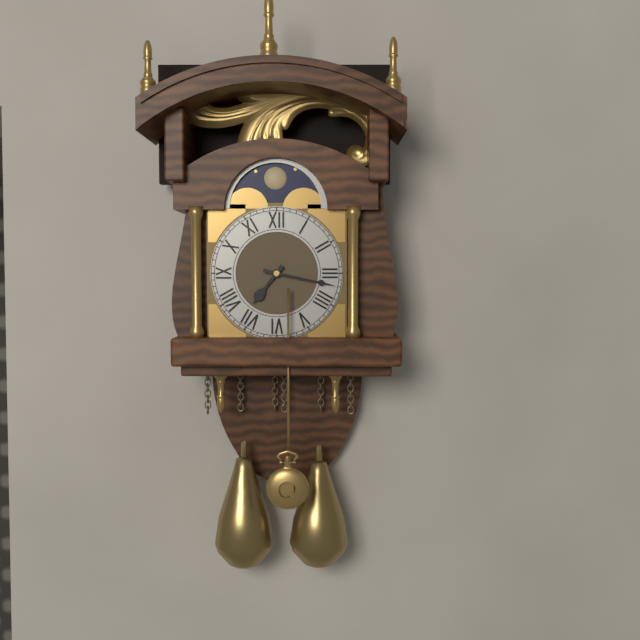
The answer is 7:17
